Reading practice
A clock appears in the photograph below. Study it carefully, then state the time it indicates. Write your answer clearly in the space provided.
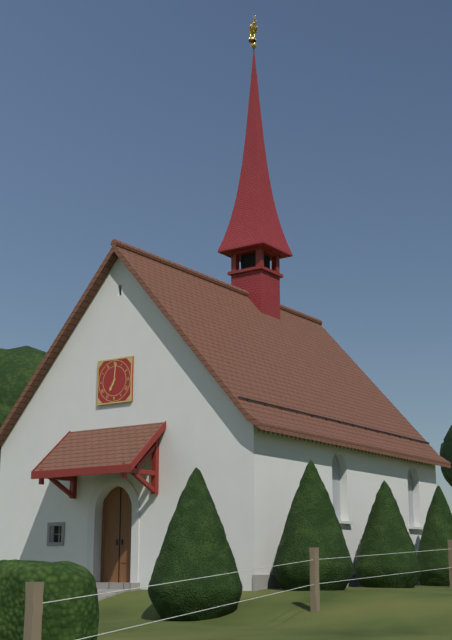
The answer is 7:01
